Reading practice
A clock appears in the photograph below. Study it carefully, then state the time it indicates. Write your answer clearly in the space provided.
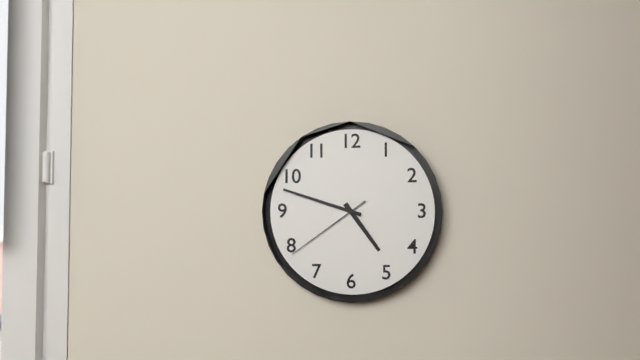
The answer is 4:48:39
